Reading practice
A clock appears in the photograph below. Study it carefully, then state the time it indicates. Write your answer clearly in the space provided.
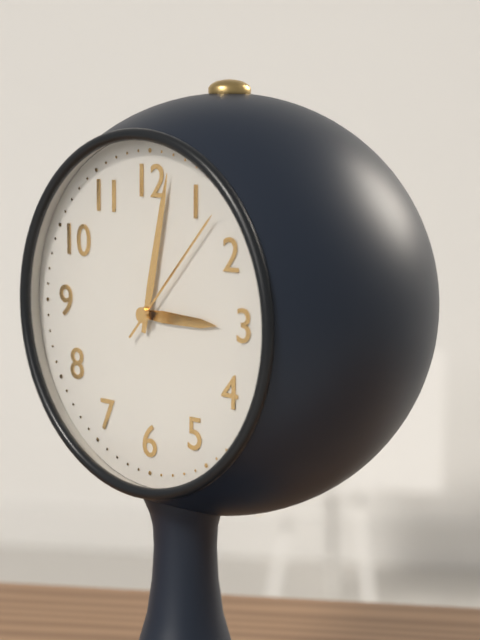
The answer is 3:02:07
